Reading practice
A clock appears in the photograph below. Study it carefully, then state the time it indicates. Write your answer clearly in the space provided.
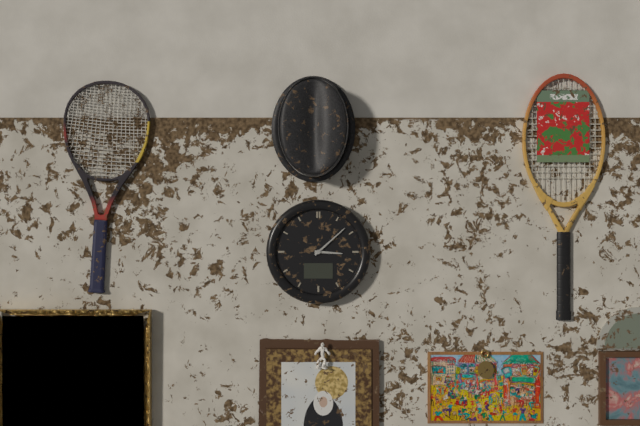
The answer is 3:08
